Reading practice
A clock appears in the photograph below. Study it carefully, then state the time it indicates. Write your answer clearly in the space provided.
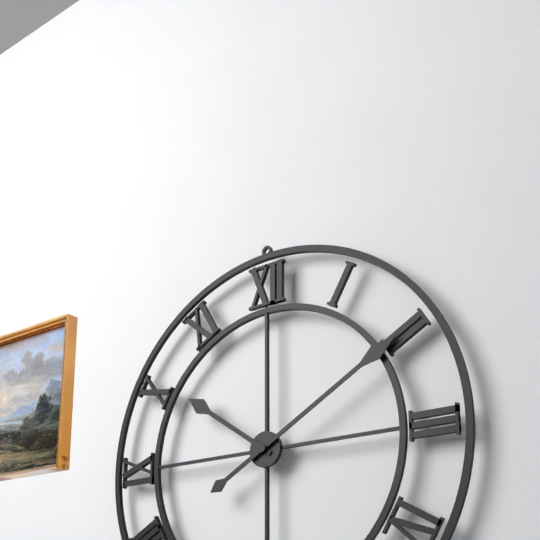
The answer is 10:10
